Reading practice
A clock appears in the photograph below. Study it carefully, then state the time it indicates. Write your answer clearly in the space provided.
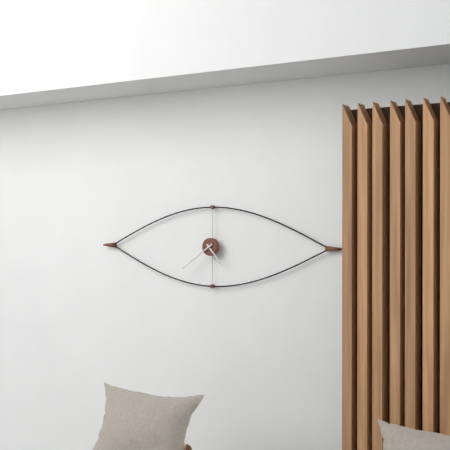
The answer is 4:39
